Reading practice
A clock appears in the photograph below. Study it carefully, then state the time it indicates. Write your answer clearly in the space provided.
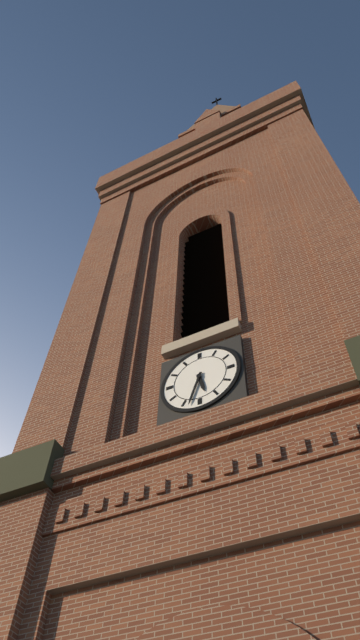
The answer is 5:33
